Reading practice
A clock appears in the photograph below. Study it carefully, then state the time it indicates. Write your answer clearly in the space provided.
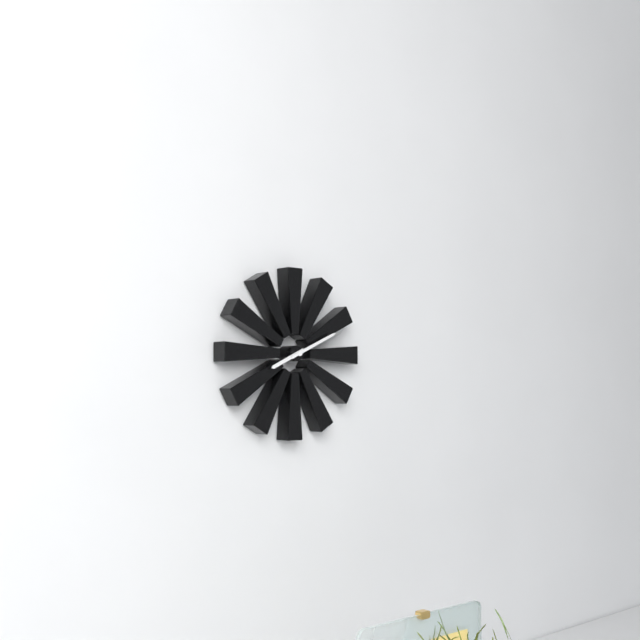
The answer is 8:11
